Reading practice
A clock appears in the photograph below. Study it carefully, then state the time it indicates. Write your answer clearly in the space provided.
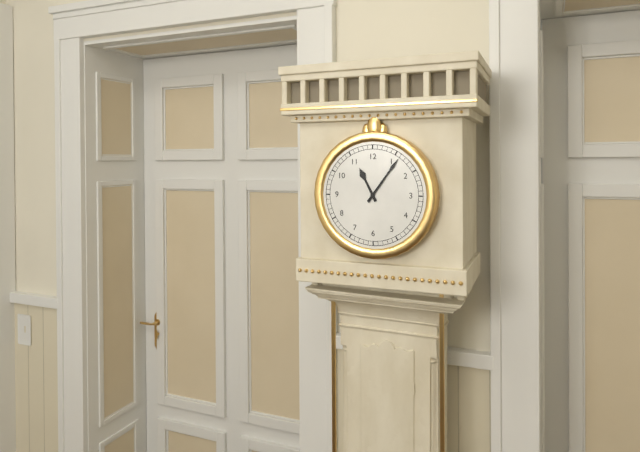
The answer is 11:06
